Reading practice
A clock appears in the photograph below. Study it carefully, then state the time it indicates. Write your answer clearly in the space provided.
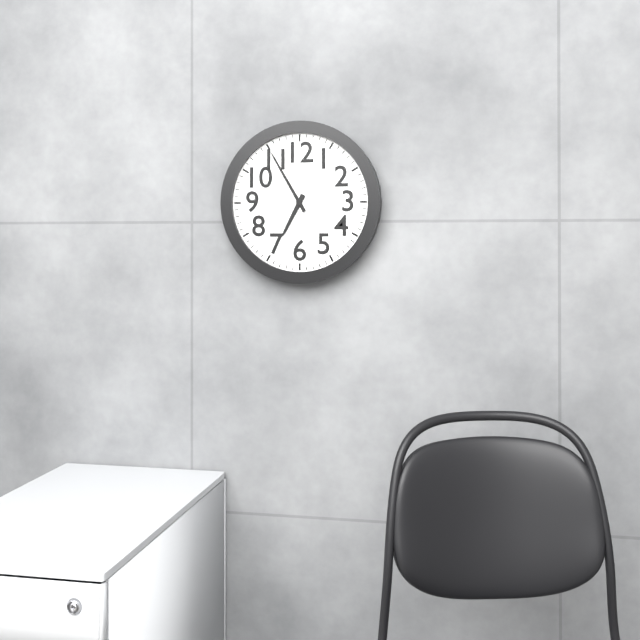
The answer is 6:55
